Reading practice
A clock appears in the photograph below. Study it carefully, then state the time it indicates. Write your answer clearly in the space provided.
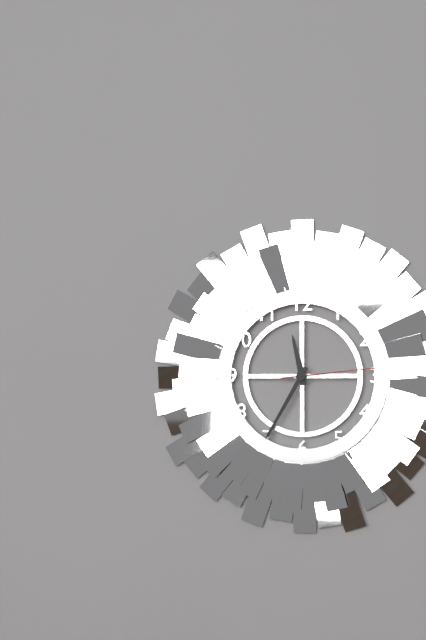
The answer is 11:35:14
